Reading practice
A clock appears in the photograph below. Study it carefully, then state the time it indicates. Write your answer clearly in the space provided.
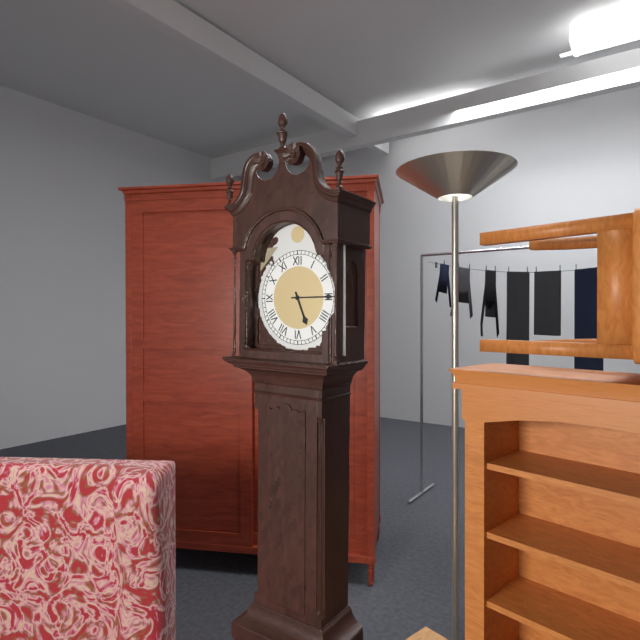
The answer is 5:15
